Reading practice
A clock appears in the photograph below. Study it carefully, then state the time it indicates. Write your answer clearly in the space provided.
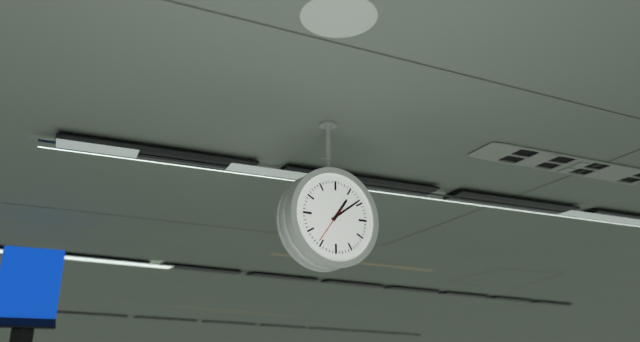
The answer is 1:09
